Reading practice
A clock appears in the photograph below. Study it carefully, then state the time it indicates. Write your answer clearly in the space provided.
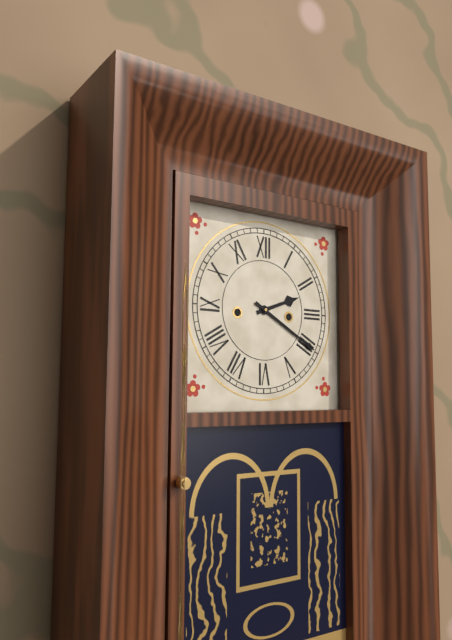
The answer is 2:20
